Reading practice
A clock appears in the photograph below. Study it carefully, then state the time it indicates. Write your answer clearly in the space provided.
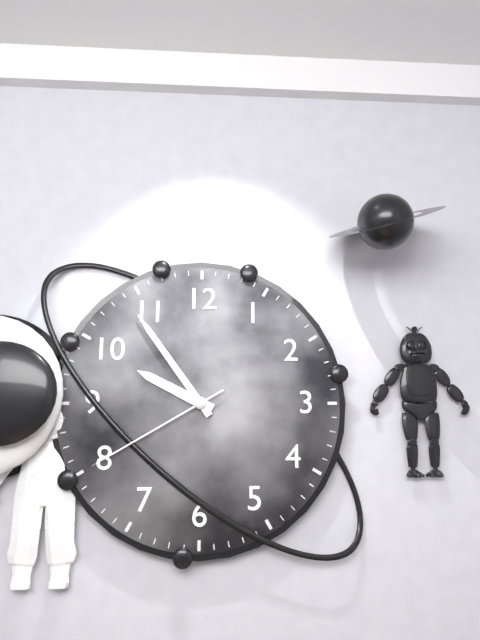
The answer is 9:54:40
